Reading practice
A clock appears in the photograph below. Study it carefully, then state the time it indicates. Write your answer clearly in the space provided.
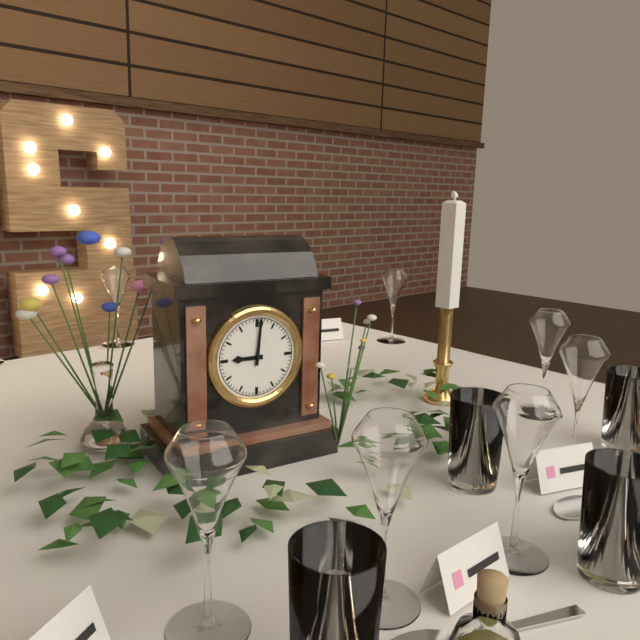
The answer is 9:01
